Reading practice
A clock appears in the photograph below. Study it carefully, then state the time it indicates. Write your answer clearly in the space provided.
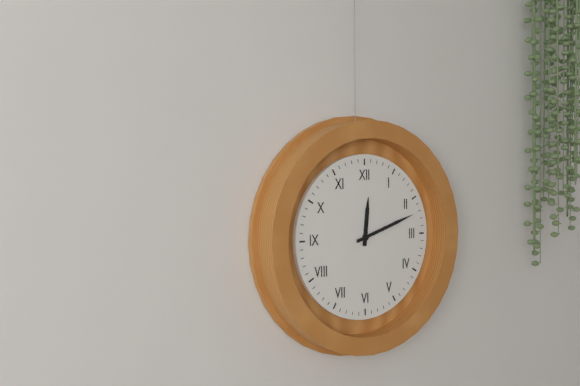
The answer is 12:12
